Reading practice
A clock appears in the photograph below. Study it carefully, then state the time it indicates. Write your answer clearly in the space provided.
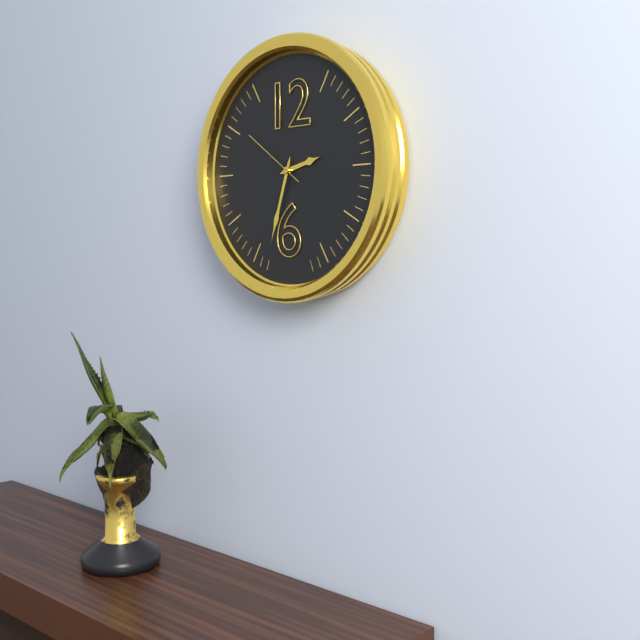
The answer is 2:33:51
